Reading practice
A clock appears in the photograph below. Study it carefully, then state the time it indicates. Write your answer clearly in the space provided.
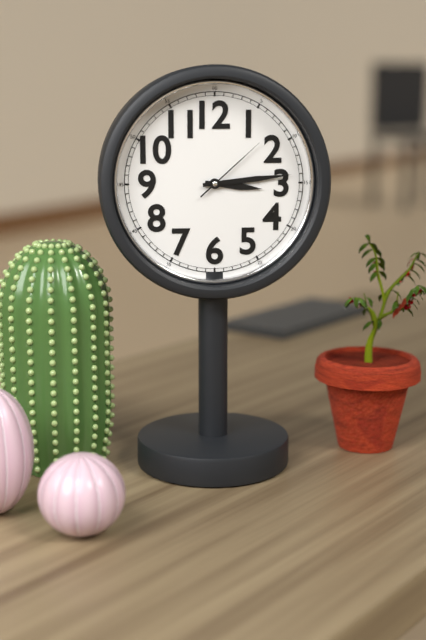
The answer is 3:14:08
